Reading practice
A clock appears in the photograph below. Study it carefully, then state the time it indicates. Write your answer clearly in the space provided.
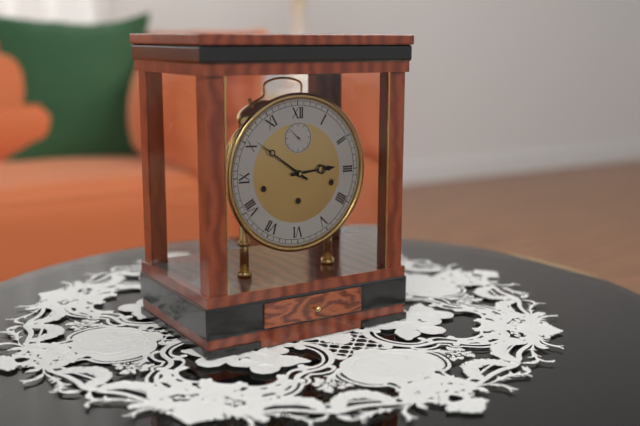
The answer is 2:51
